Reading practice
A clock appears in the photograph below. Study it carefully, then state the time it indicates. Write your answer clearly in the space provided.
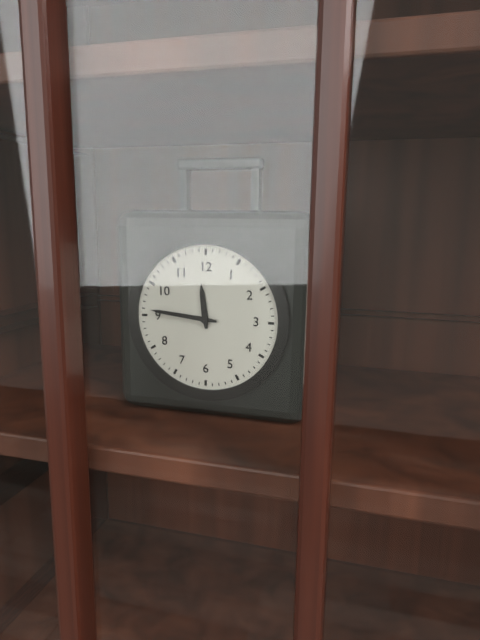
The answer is 11:46
